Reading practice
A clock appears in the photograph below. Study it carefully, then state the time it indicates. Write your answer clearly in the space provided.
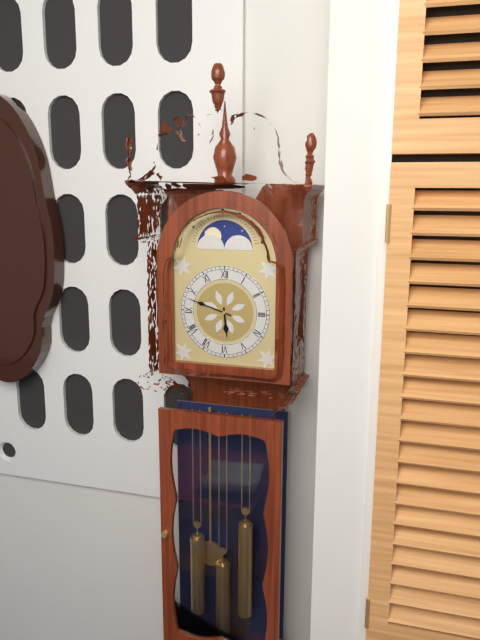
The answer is 5:48
